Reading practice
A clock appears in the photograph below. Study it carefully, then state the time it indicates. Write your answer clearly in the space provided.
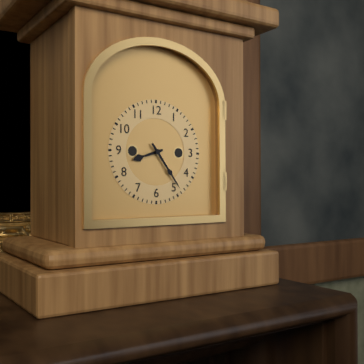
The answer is 8:24
